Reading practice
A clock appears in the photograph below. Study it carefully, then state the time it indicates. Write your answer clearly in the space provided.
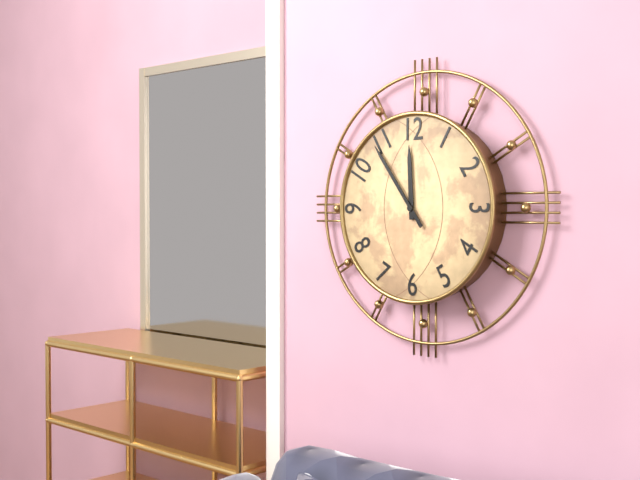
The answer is 11:54
